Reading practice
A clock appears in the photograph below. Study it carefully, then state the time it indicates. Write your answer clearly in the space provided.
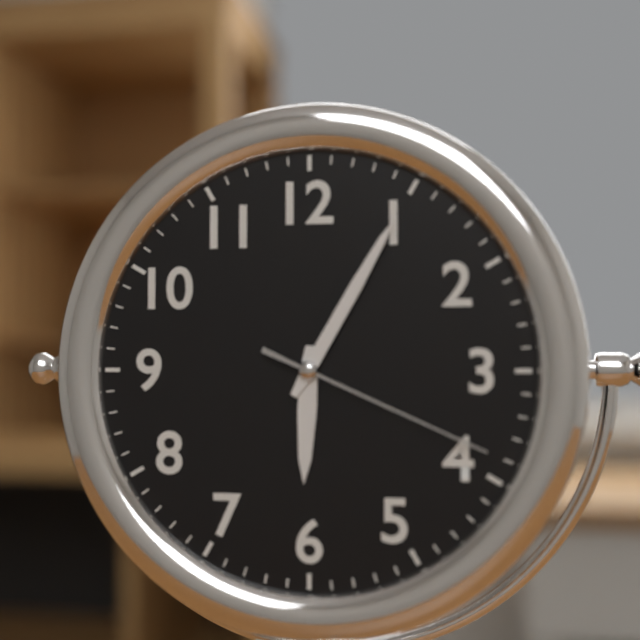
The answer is 6:05:19
